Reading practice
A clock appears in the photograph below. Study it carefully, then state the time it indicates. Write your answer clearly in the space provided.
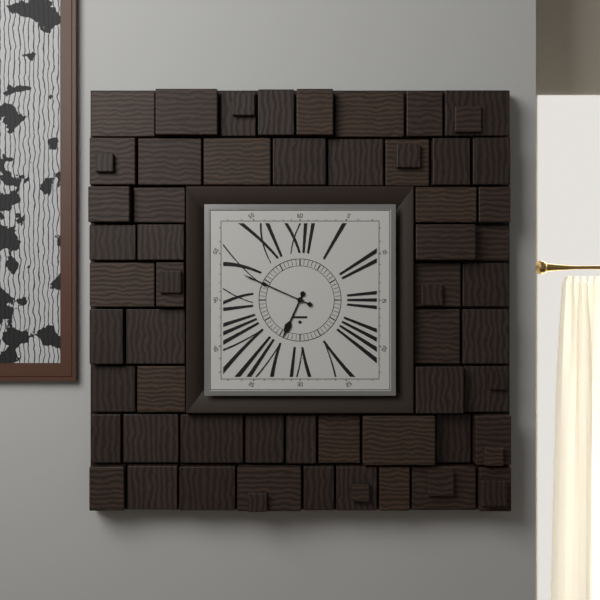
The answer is 6:49
